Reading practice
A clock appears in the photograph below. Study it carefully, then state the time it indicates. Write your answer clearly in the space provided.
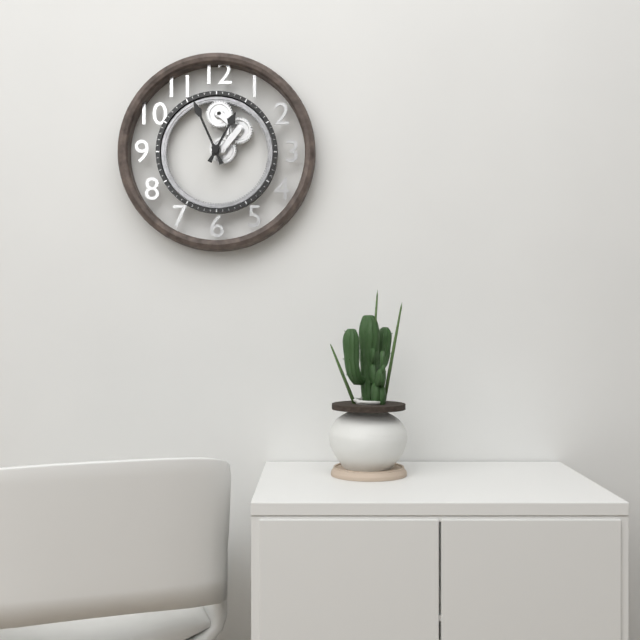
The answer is 12:56
